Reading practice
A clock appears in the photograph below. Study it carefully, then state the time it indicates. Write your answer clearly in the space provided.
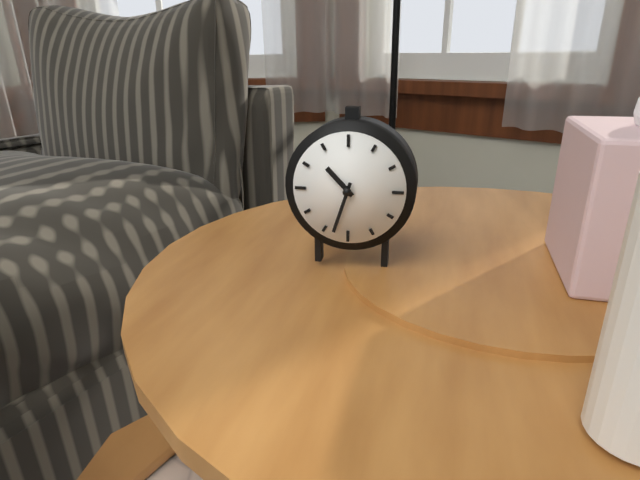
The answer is 10:33
